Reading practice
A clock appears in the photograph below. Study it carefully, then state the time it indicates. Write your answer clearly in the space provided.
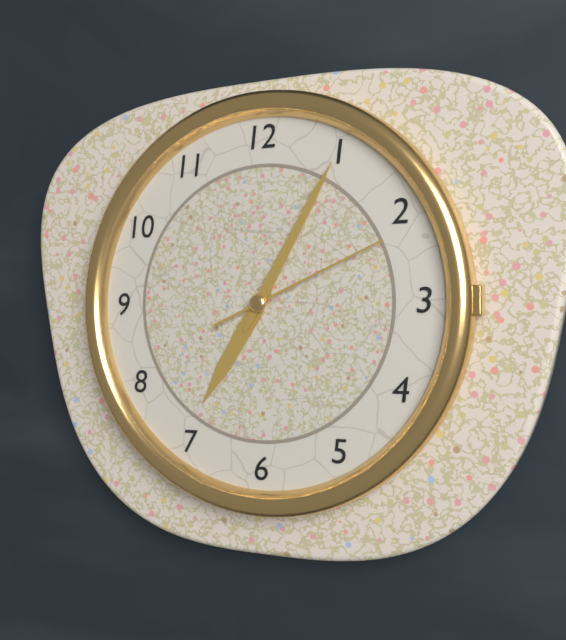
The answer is 7:05:11
